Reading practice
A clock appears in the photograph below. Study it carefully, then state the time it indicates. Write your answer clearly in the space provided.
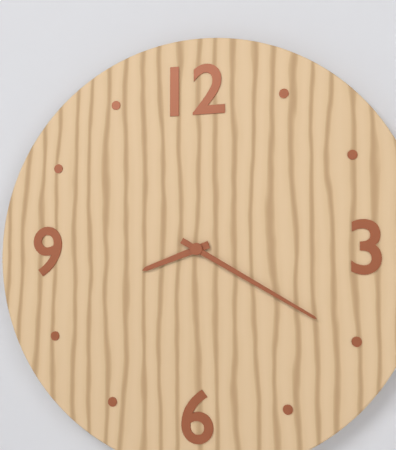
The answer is 8:20
